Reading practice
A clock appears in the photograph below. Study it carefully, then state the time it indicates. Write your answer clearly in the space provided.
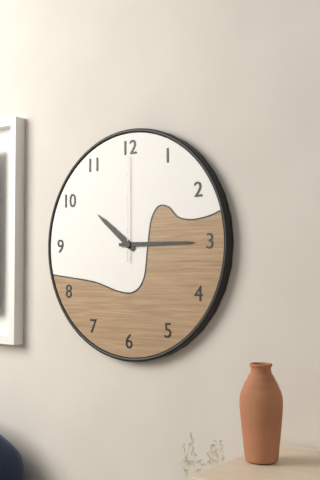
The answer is 10:15:00
